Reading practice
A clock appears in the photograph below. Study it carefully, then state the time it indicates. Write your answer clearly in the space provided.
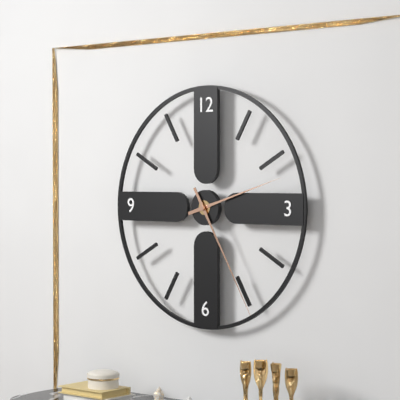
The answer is 2:25
